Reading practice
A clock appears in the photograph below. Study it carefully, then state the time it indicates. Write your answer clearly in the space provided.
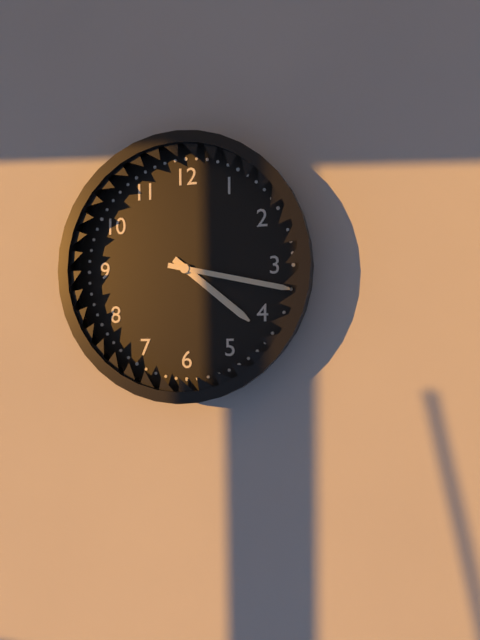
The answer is 4:17
